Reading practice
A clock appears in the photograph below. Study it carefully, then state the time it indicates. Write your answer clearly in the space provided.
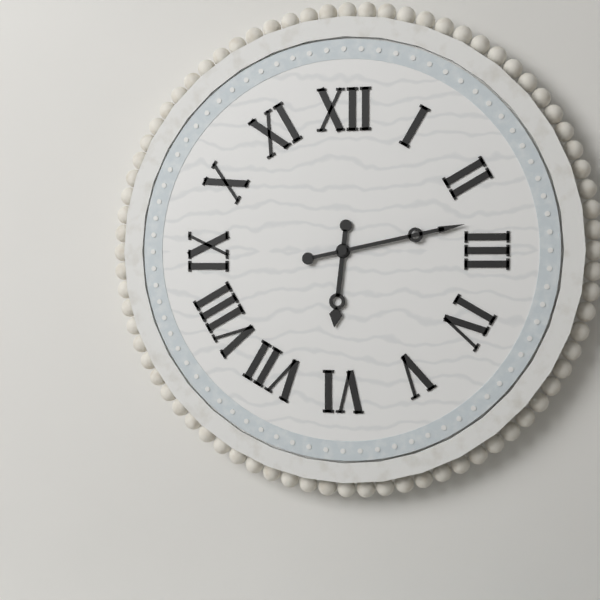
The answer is 6:13
